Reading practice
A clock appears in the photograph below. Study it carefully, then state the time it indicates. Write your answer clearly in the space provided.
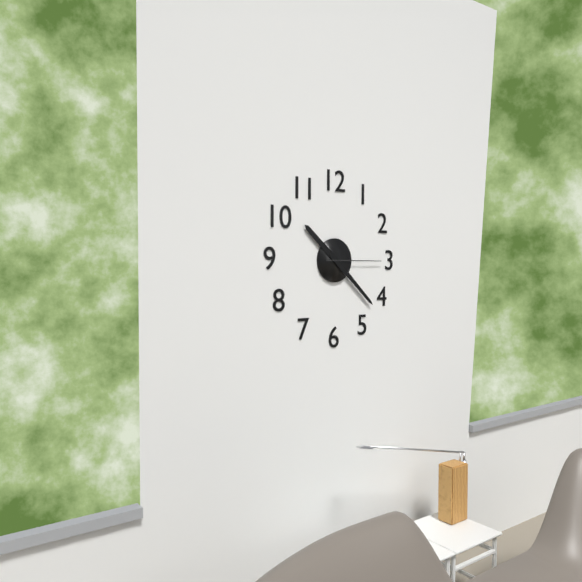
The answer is 10:22:15
